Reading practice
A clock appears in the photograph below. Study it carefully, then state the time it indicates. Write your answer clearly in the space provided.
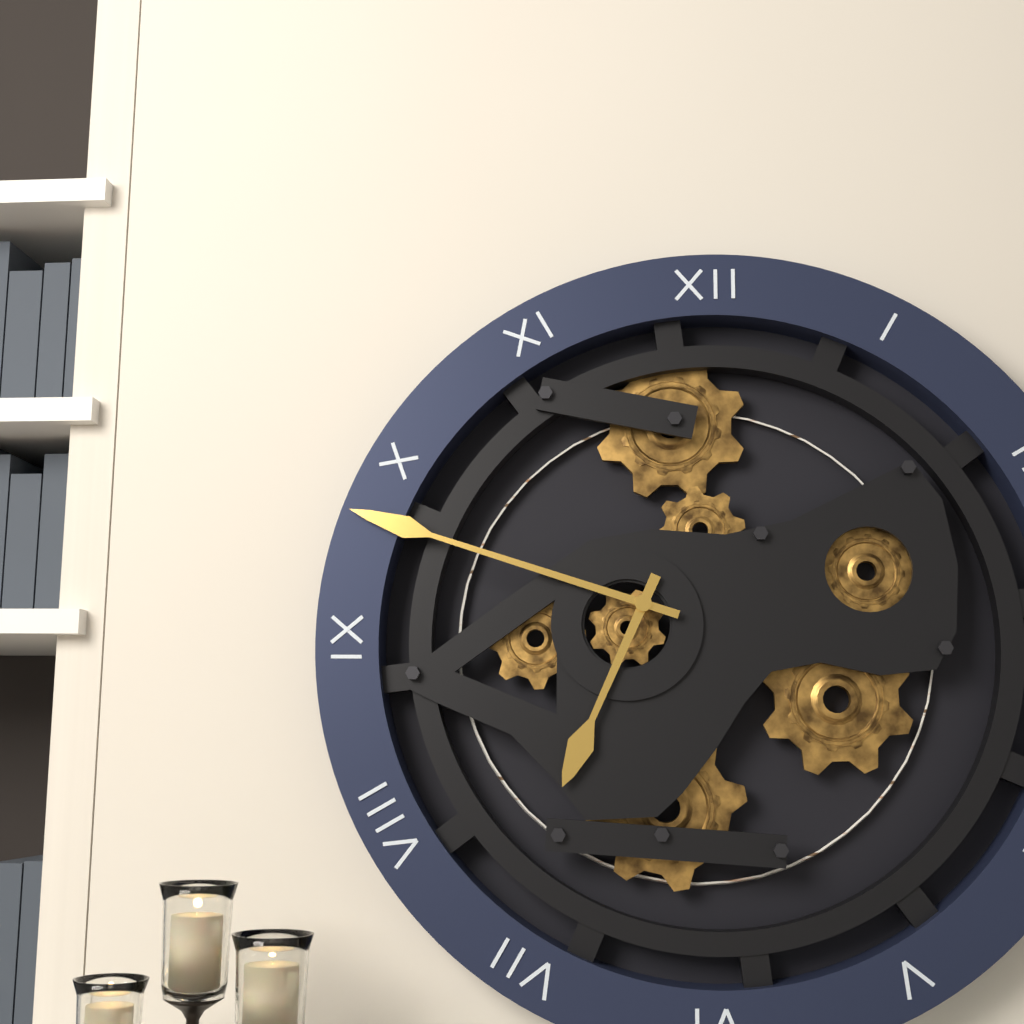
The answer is 6:48
